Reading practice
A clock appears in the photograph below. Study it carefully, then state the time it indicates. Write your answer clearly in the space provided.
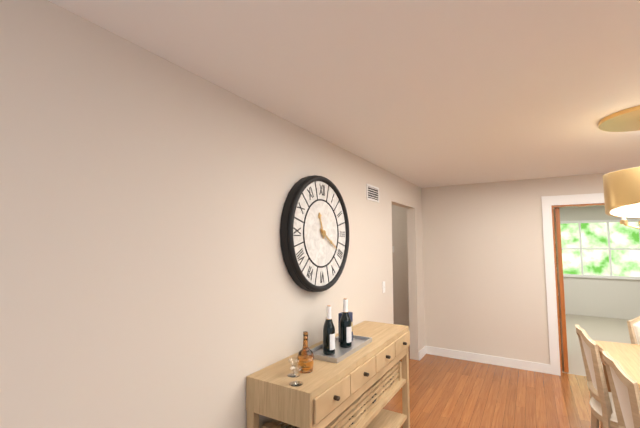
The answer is 11:20
